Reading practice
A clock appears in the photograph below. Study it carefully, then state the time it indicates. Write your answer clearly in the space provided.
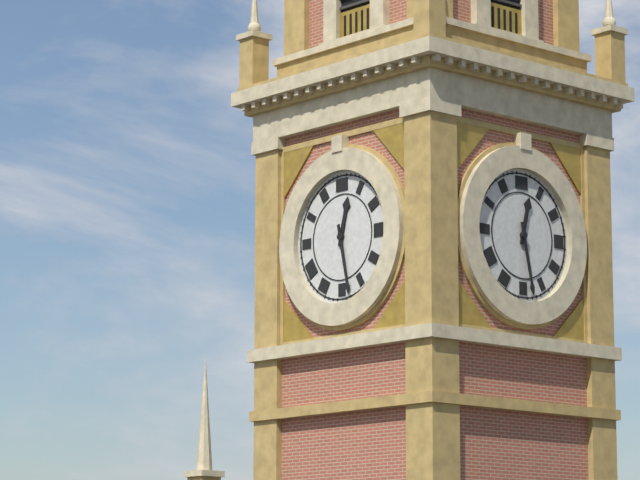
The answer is 12:28
